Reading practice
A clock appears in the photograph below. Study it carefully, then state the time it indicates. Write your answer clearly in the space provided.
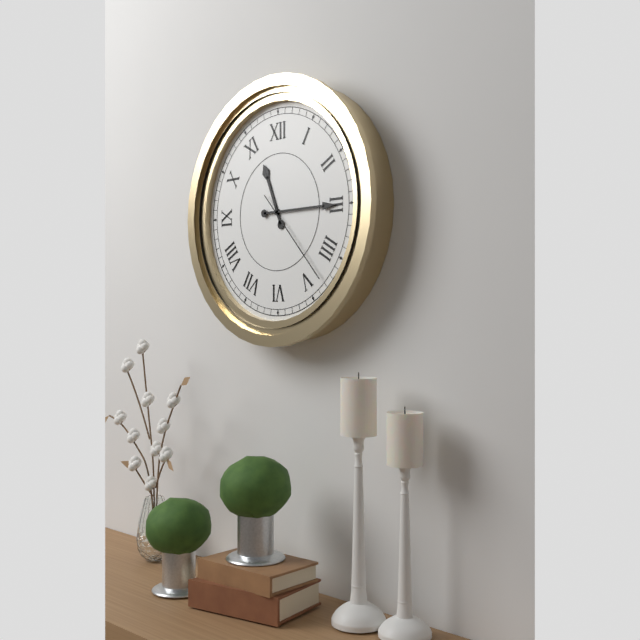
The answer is 11:15:23
